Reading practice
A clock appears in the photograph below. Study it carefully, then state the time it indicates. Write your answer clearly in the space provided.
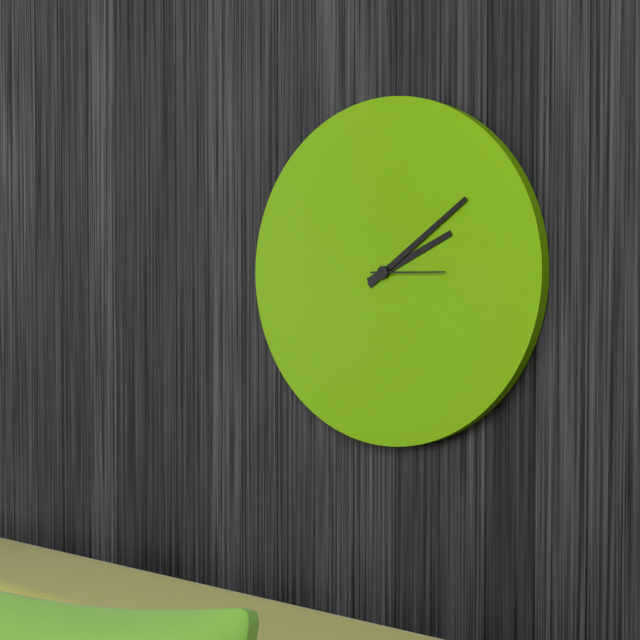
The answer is 2:09:15
